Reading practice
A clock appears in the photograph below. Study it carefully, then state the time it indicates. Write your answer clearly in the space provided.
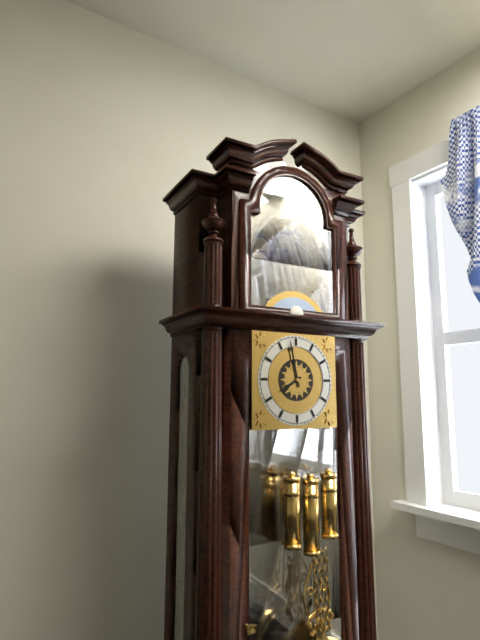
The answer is 7:58
